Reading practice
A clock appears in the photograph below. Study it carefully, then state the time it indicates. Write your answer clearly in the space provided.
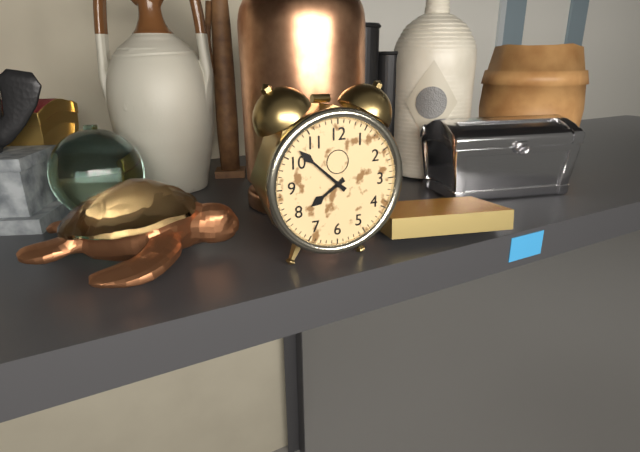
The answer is 7:52
